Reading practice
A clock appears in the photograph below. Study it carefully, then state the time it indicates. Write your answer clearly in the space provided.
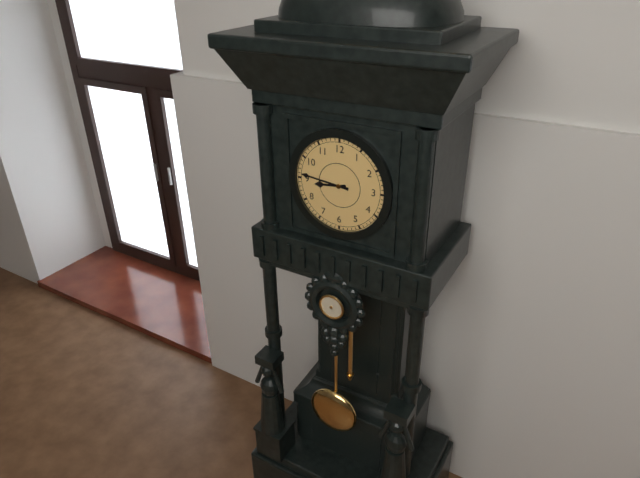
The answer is 8:46
